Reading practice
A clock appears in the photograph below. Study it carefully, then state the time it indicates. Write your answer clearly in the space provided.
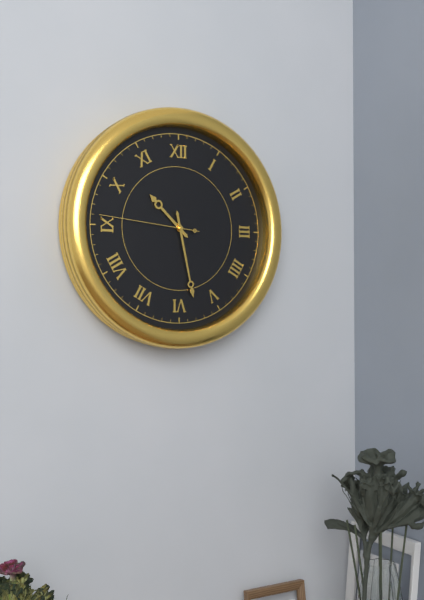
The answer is 10:28:46
